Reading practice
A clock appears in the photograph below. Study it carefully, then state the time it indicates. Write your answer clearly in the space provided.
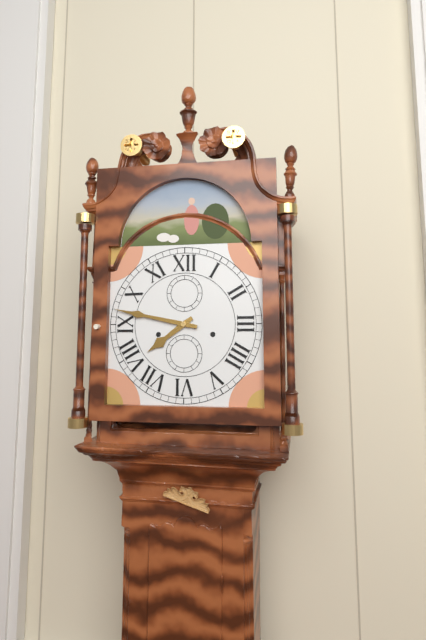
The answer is 7:47
